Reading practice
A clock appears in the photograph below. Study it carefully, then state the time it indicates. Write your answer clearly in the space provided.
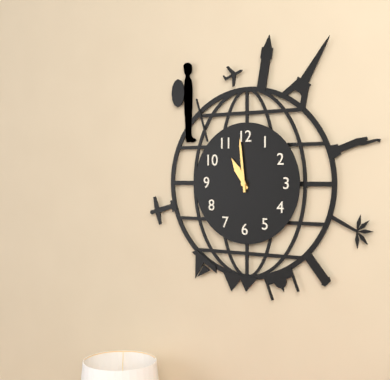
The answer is 10:59
